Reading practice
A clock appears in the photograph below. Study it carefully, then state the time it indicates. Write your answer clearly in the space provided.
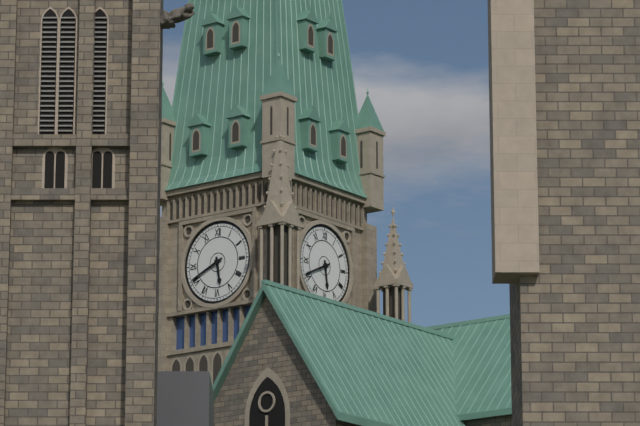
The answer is 5:41
